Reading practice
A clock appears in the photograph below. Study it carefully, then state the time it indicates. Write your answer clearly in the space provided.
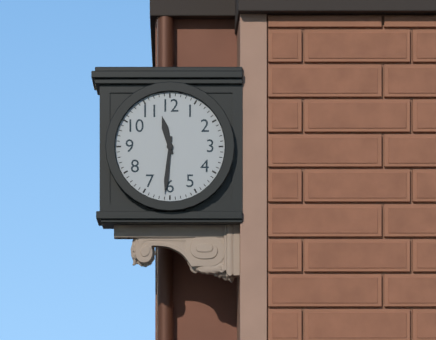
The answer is 11:31
